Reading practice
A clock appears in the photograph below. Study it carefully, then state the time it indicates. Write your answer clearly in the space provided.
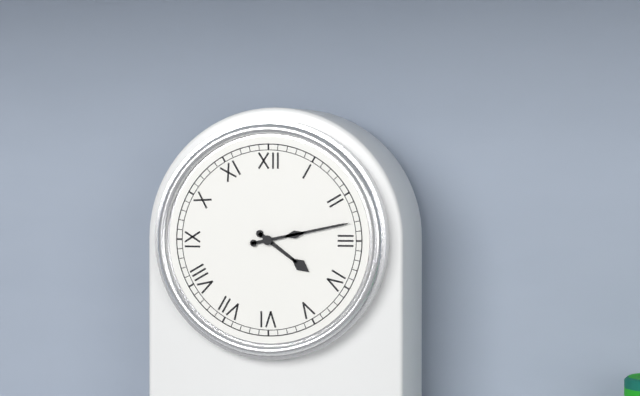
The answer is 4:13
